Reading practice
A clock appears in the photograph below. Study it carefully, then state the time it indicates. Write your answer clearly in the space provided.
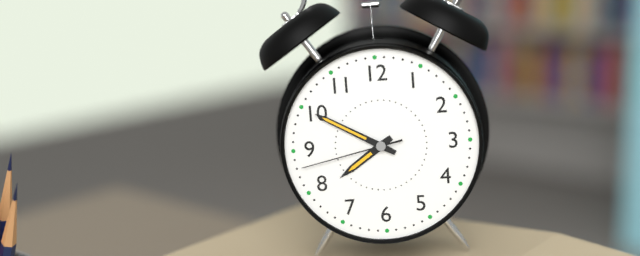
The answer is 7:50:43
